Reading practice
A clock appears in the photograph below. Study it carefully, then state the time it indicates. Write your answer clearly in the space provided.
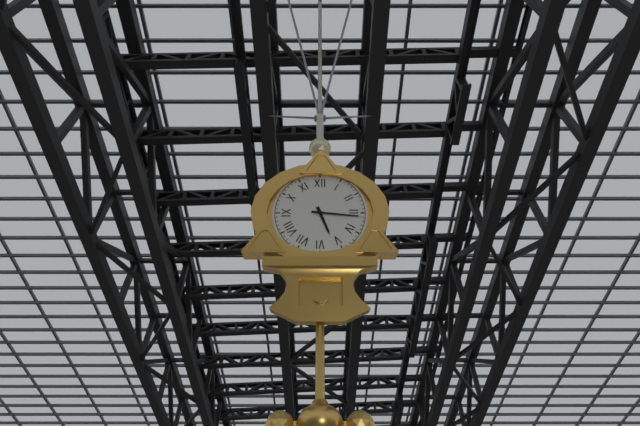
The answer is 5:16
